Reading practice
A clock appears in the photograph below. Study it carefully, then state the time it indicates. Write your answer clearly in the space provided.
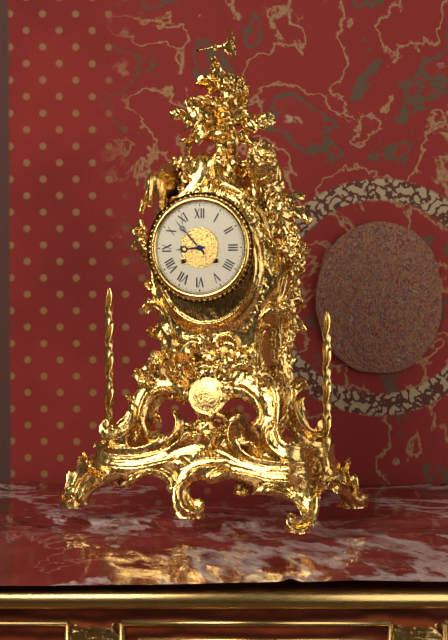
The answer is 8:53
